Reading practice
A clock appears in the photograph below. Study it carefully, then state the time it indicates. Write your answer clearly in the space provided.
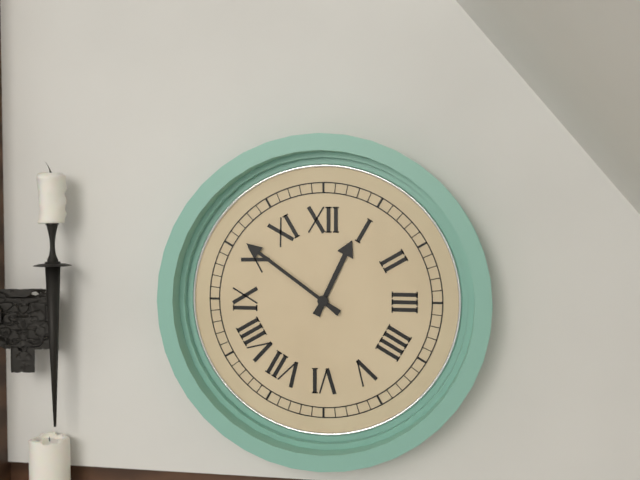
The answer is 12:51
